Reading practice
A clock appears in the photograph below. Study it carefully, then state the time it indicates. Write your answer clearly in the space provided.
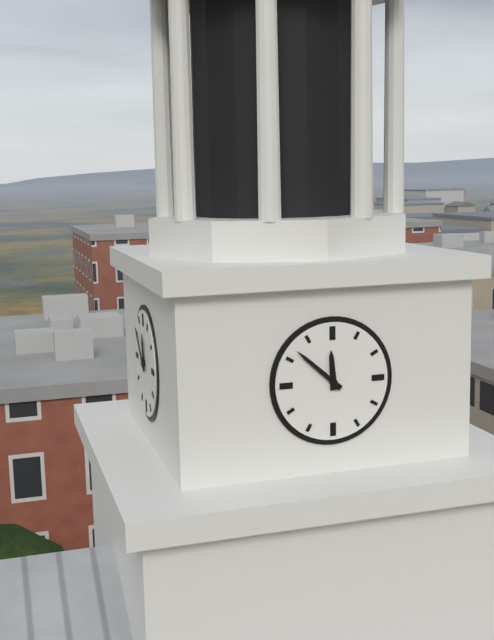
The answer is 11:52
